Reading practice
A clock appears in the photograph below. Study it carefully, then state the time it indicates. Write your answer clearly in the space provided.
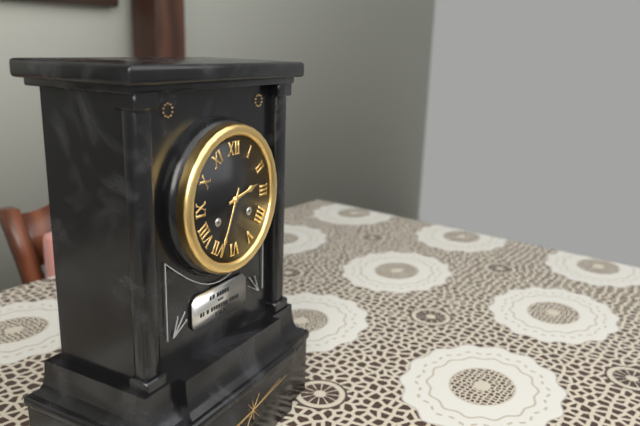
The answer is 2:34
